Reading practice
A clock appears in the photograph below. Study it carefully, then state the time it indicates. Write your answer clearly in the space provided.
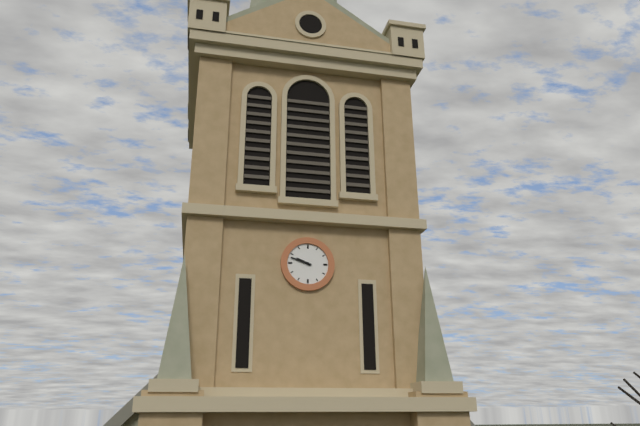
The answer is 9:48
